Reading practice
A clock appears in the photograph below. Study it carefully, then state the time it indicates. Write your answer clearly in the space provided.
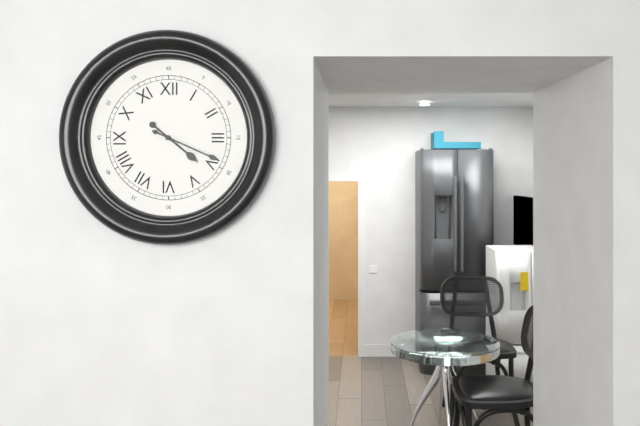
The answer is 4:19
